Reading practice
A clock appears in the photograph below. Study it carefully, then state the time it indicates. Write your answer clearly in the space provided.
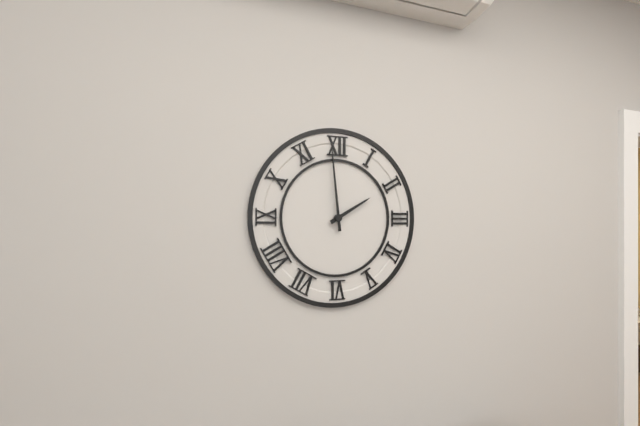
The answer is 1:59
